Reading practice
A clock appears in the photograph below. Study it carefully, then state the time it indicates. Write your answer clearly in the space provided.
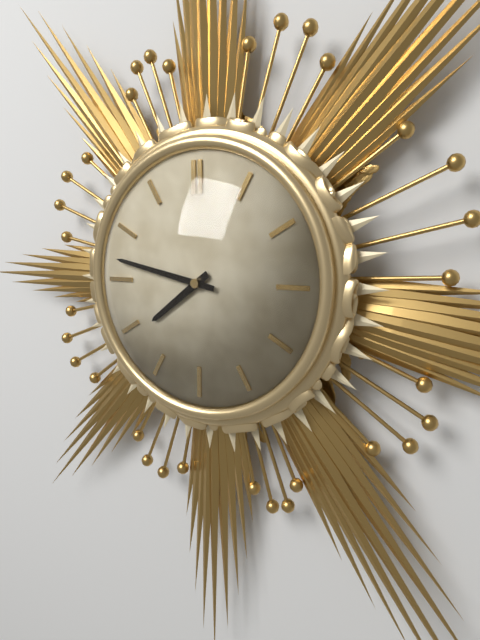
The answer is 7:47
